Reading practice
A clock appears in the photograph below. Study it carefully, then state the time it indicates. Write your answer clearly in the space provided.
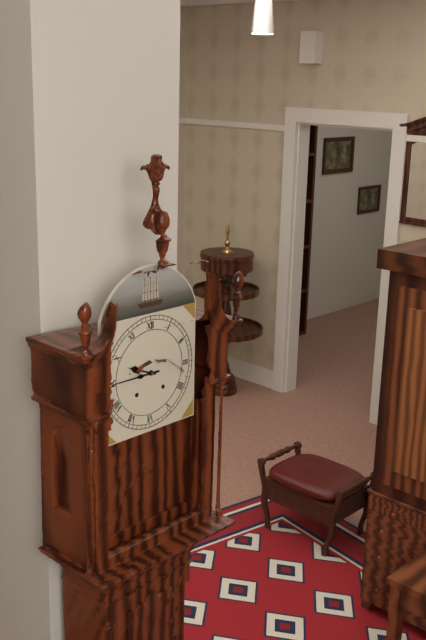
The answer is 9:45
